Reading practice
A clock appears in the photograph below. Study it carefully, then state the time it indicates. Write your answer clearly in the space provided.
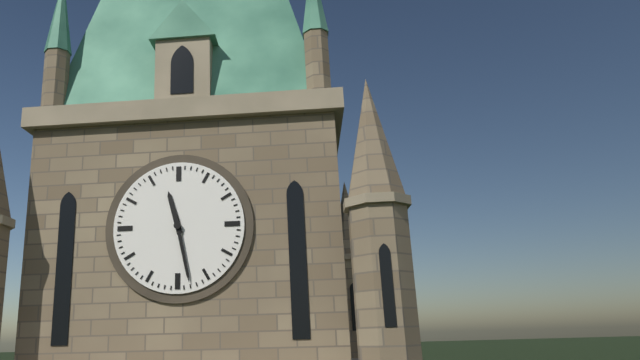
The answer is 11:28
